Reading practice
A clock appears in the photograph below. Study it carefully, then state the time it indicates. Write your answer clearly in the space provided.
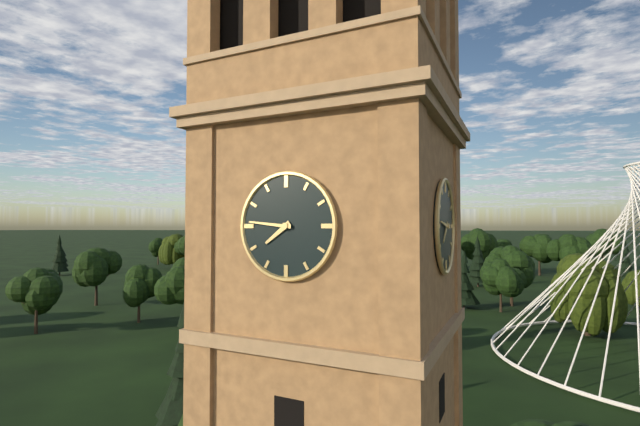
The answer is 7:46
